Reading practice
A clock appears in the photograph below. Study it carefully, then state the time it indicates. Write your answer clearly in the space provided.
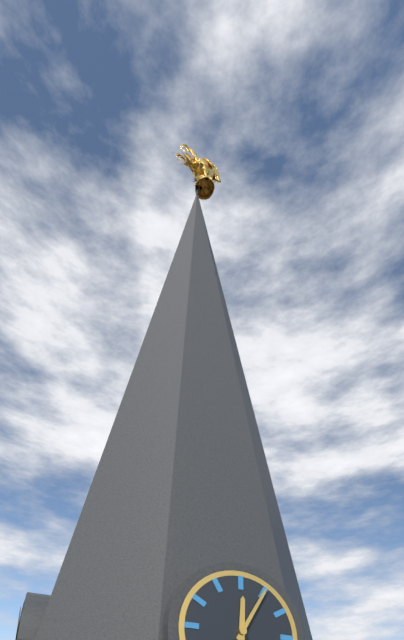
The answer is 12:05
